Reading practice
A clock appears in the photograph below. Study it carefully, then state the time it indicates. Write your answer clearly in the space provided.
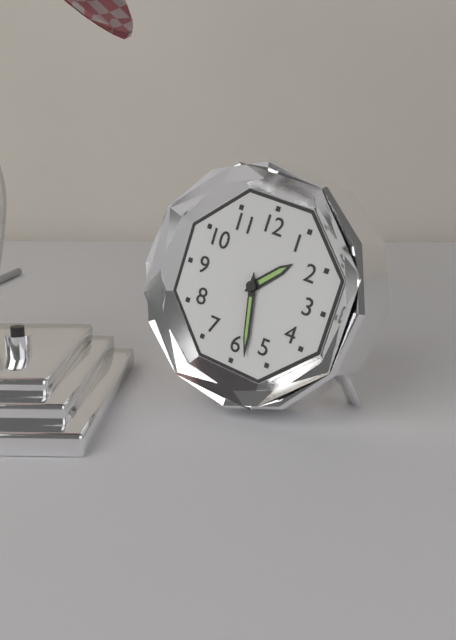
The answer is 1:28
